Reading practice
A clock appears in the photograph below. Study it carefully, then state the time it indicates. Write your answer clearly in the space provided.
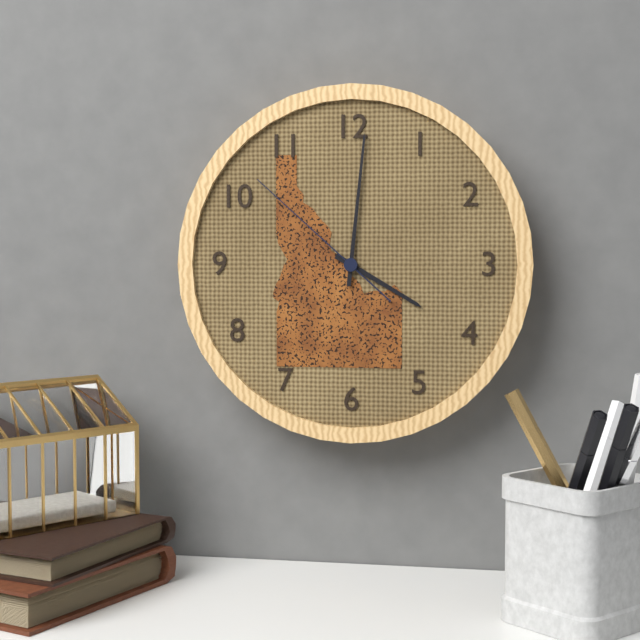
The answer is 4:01:52
